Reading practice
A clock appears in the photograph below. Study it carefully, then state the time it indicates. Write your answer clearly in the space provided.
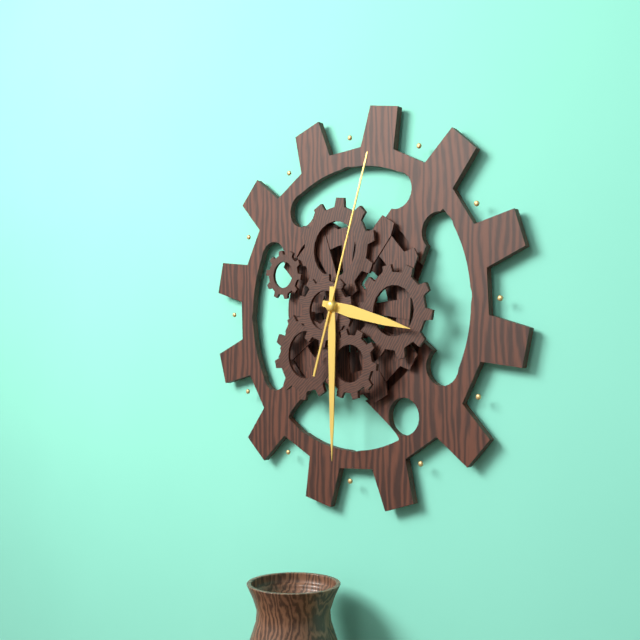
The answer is 3:30:03
